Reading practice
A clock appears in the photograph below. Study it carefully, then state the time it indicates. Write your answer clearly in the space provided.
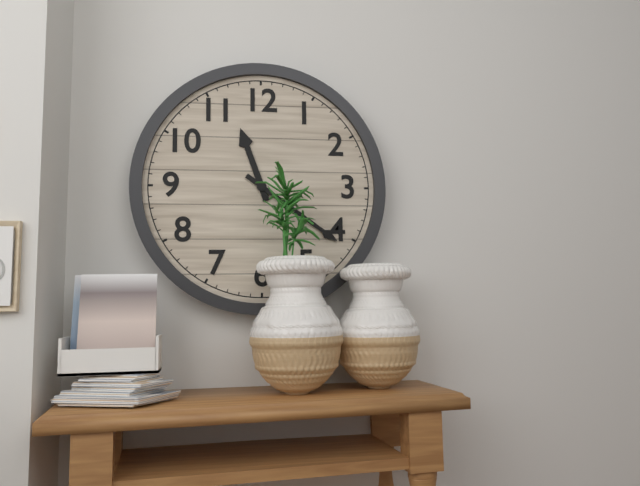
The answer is 11:21
